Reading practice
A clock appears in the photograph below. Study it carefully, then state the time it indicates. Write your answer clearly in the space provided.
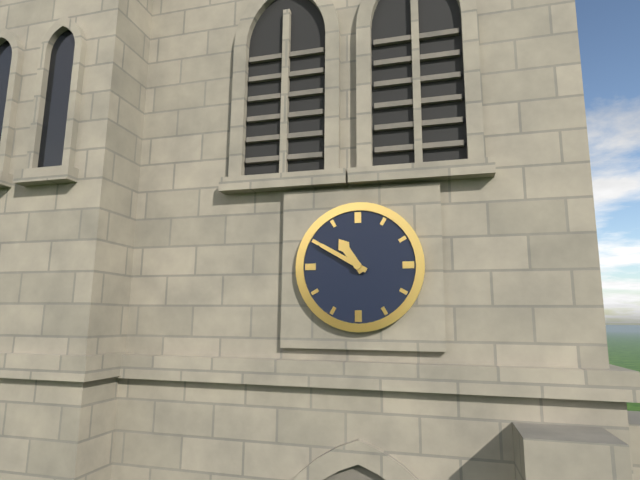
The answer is 10:50
